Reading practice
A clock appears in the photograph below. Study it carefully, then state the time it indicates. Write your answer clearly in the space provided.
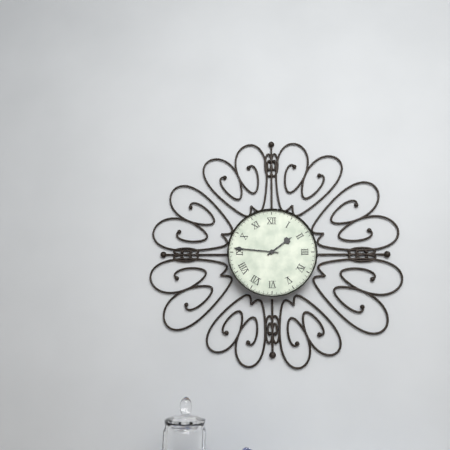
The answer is 1:46
